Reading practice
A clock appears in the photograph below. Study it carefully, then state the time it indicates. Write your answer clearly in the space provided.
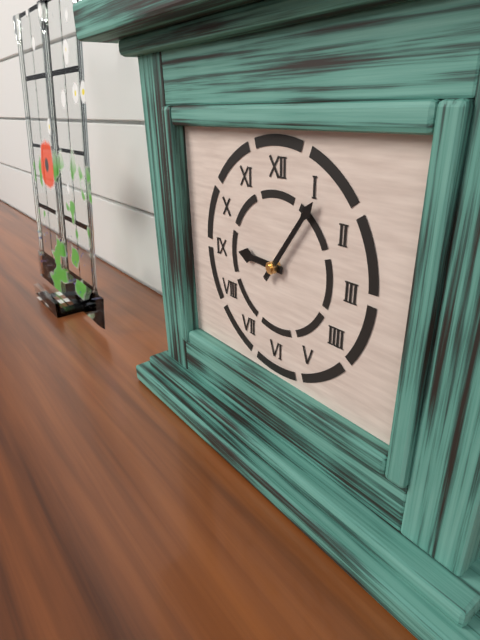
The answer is 9:06
